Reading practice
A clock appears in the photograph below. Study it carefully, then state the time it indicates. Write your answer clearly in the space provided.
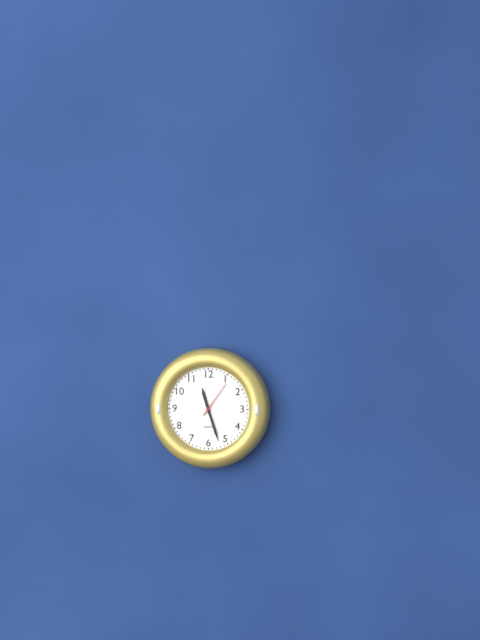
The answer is 11:27
